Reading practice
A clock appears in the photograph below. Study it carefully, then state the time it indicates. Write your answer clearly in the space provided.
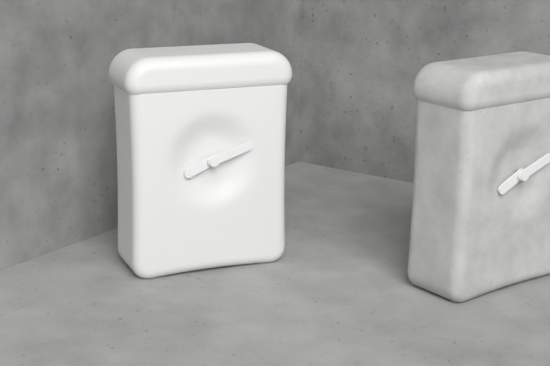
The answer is 8:12
